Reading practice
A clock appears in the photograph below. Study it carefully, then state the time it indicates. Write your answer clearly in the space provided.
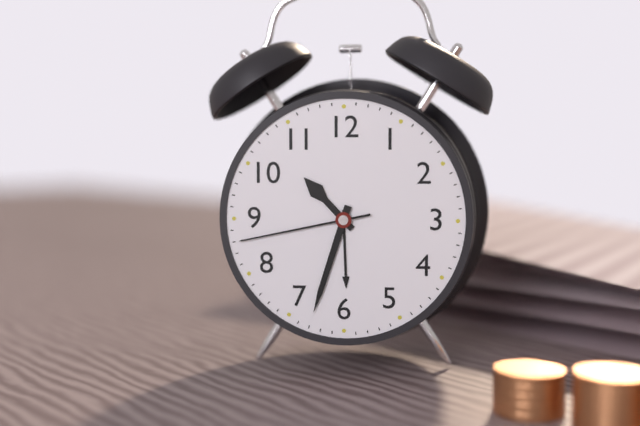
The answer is 10:33:43
